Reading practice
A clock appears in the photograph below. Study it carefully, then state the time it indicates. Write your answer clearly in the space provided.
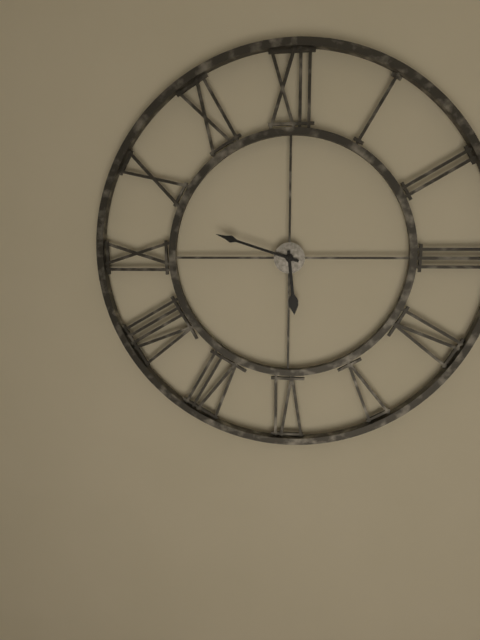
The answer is 5:48
